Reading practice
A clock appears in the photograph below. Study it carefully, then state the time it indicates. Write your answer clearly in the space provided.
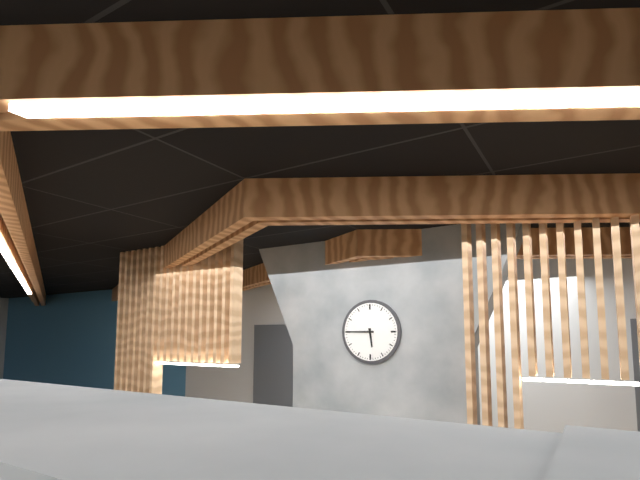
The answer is 5:45
